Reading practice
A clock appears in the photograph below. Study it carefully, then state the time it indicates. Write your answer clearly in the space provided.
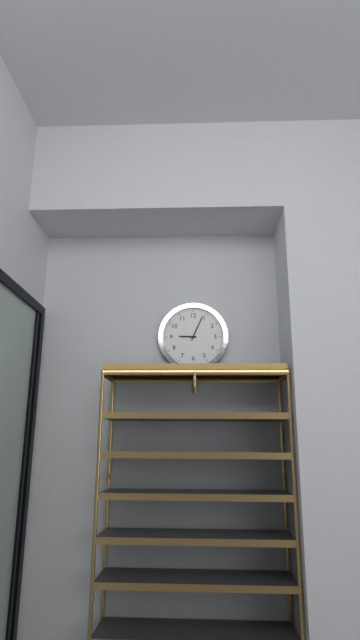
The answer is 9:04
